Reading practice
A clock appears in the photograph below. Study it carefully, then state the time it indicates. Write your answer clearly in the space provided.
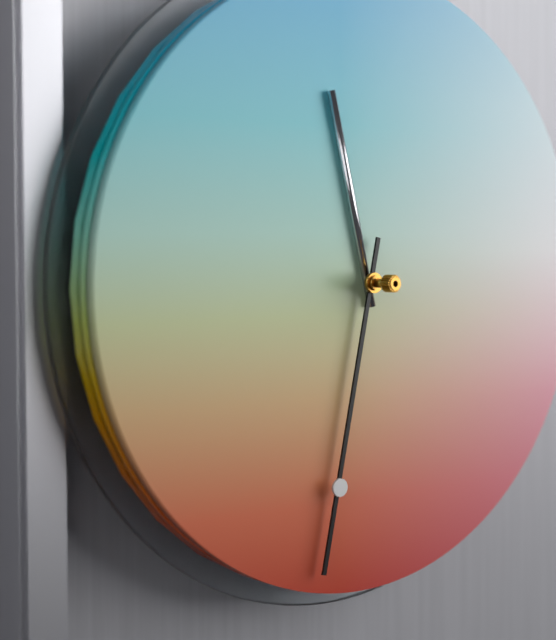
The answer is 11:32
